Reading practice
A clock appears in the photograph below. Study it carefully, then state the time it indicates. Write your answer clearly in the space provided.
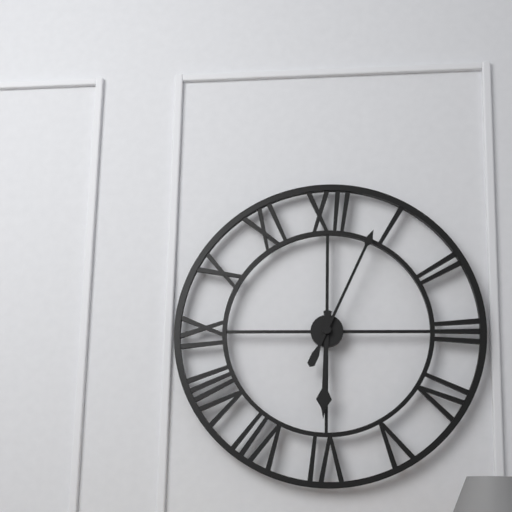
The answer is 6:04
